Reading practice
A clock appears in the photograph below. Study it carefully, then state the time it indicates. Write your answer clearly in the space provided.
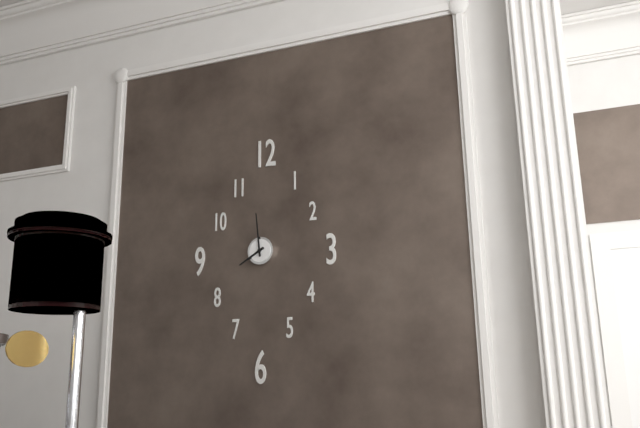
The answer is 7:59
